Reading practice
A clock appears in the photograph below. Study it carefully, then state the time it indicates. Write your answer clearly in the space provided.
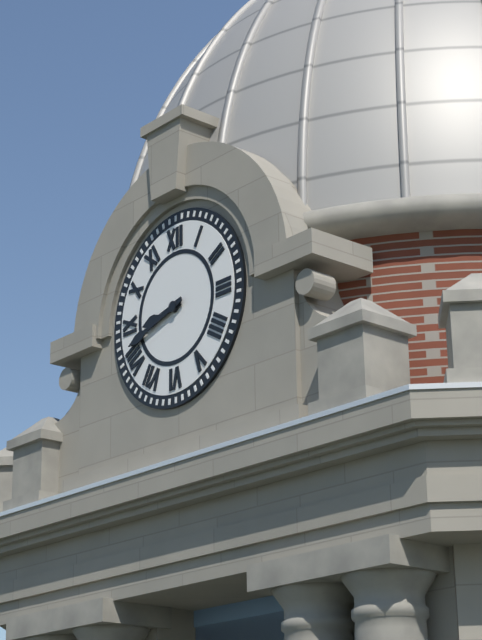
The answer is 8:42
